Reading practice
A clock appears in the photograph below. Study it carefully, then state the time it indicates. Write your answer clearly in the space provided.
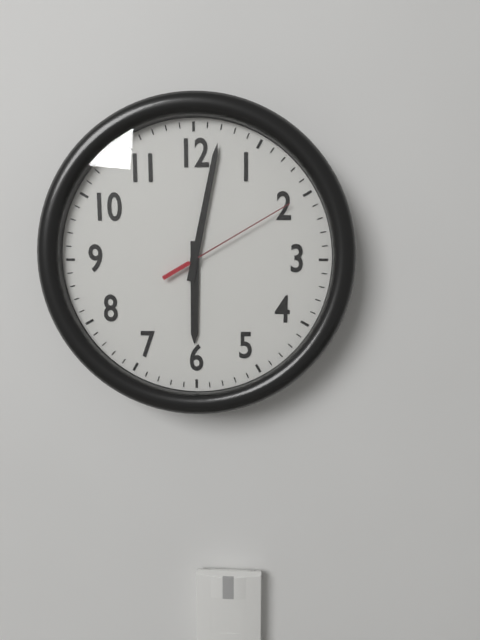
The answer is 6:02:10
